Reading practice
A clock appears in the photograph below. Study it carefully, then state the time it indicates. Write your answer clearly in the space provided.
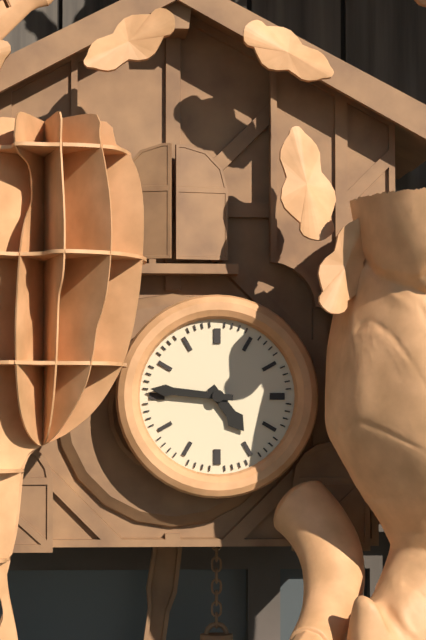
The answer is 4:46
